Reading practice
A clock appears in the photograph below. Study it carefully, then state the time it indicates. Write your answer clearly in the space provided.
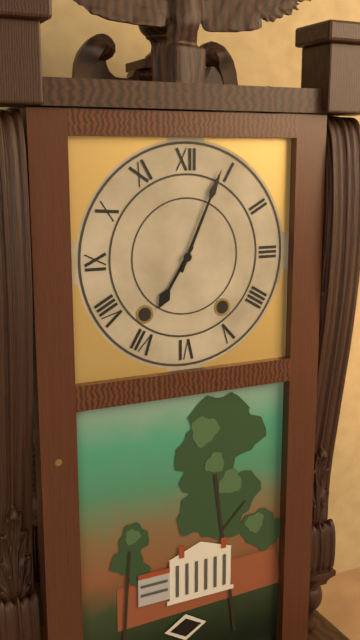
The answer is 7:04
